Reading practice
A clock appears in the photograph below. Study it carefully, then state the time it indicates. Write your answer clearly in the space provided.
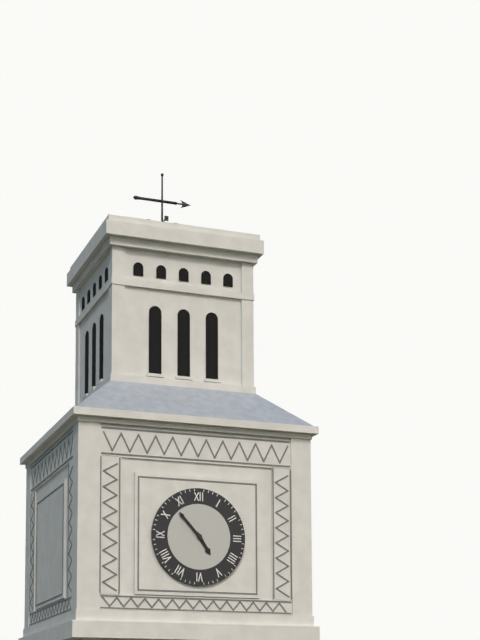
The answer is 4:53
